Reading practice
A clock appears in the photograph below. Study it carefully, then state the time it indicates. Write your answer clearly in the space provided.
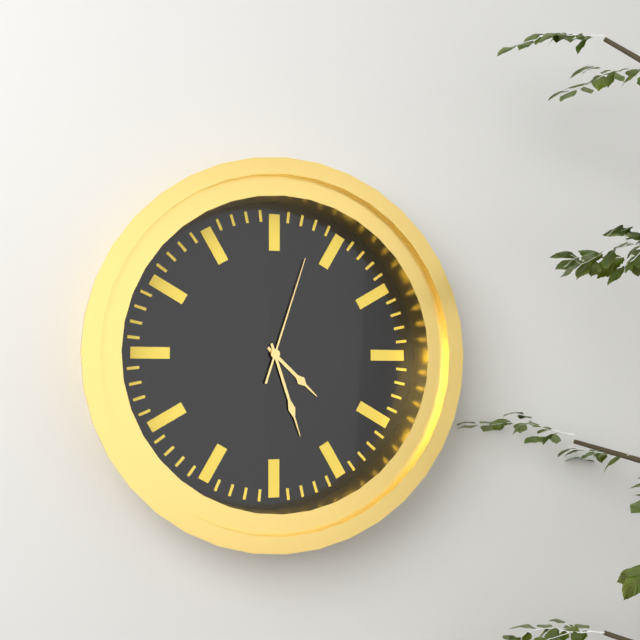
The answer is 4:27:03
